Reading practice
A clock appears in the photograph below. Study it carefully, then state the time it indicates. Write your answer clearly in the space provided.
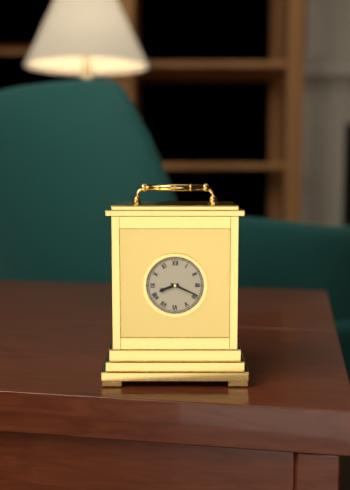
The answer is 8:19
